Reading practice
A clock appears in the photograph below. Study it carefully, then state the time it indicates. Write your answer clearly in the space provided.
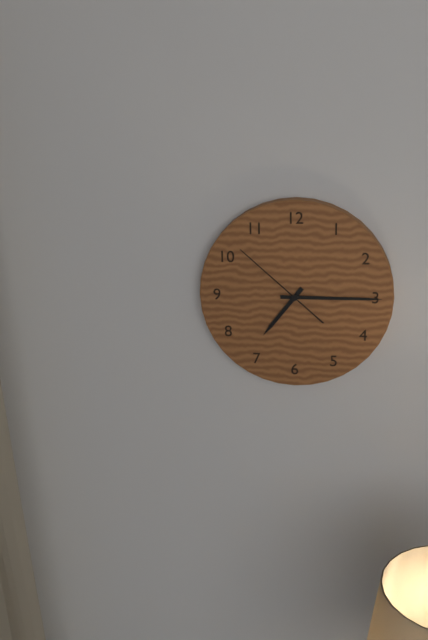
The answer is 7:15:52
